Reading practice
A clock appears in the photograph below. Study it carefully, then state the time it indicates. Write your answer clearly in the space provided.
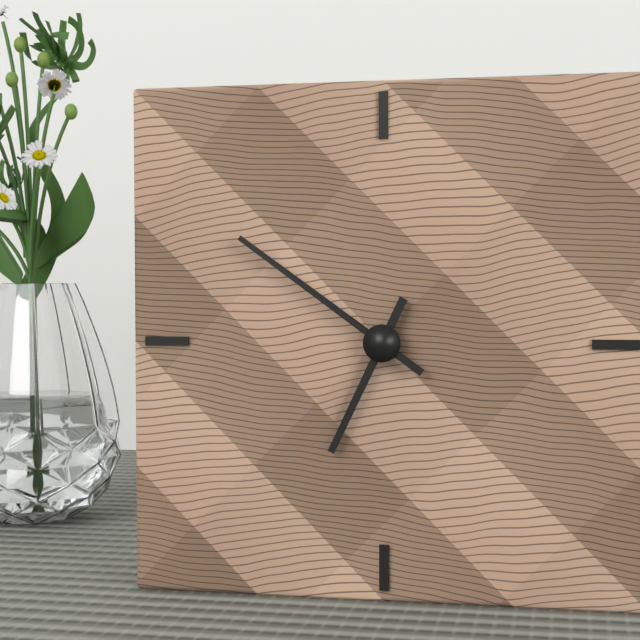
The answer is 6:51
